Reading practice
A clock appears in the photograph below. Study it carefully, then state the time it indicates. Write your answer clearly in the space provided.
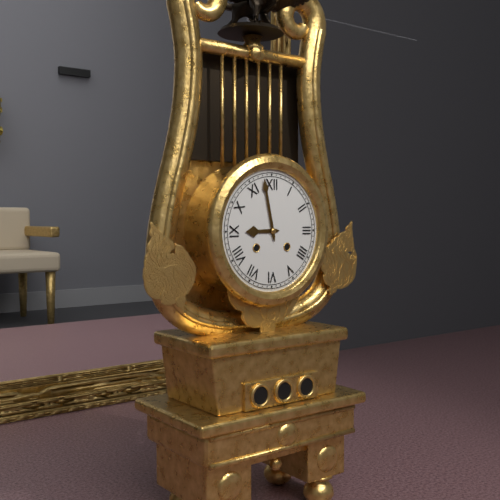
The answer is 8:58
